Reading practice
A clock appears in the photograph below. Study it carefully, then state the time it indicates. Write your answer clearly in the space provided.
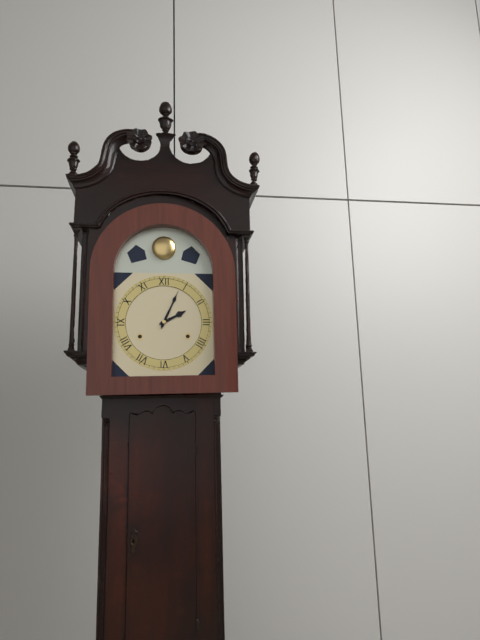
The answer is 2:04
